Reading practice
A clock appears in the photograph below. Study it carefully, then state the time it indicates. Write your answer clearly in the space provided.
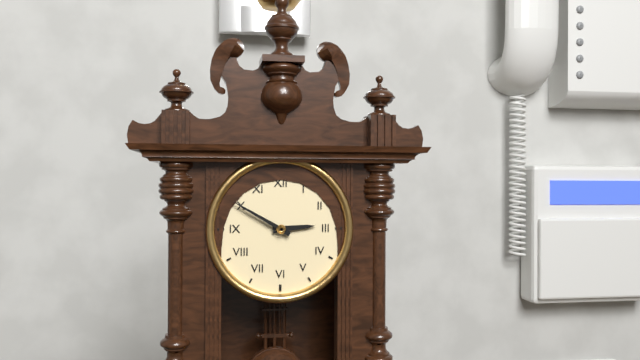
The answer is 2:50
